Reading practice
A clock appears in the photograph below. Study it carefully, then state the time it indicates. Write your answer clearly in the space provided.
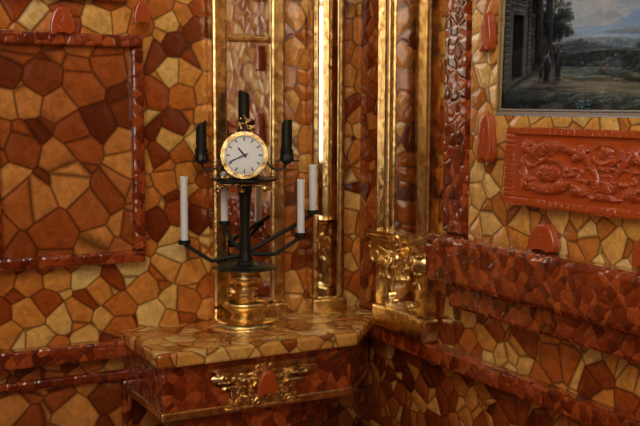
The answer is 10:41
